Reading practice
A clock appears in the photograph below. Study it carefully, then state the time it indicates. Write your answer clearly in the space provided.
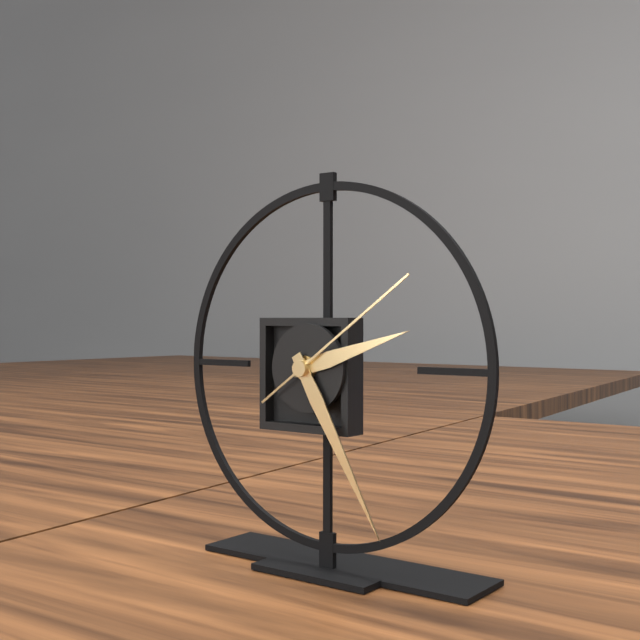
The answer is 2:25:09
